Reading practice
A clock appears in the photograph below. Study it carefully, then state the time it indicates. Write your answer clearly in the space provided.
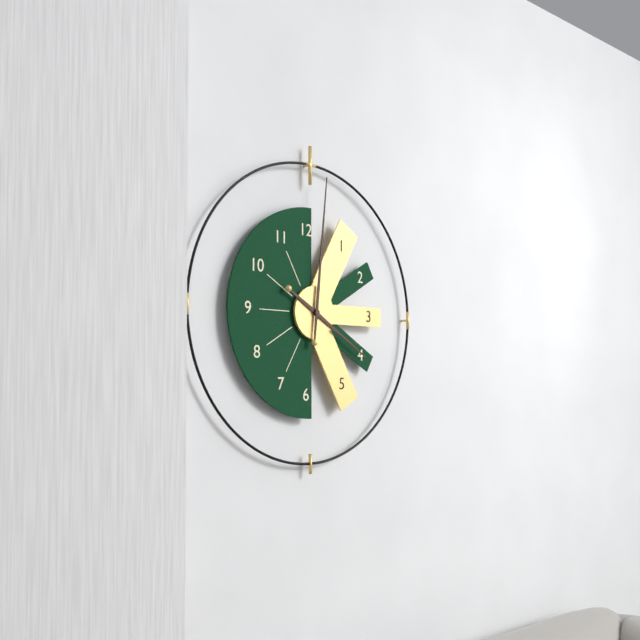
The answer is 4:01
